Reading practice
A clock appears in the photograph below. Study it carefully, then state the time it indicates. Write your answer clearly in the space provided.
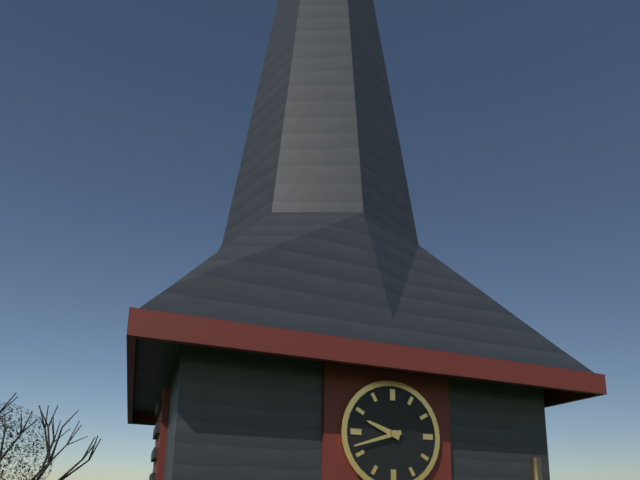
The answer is 9:42
